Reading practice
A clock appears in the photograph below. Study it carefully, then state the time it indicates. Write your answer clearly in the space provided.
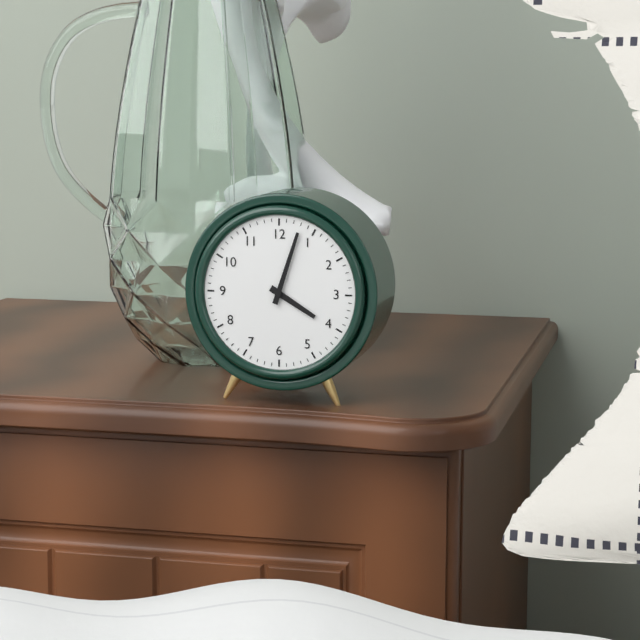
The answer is 4:03
